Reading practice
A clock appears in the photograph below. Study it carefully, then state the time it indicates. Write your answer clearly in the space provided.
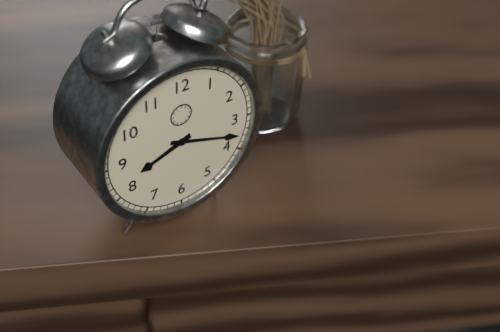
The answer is 8:18
